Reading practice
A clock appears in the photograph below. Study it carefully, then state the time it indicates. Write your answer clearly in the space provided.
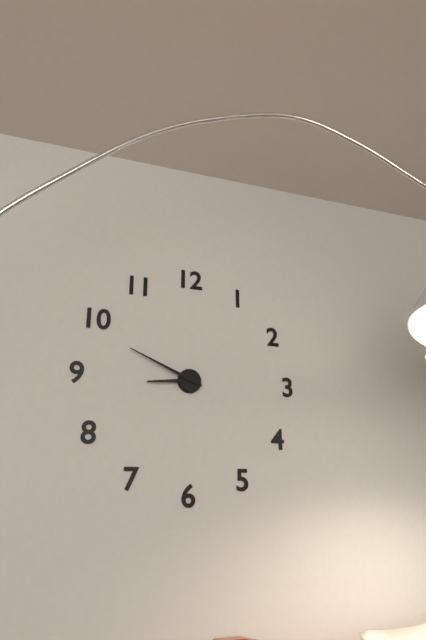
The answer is 8:49
